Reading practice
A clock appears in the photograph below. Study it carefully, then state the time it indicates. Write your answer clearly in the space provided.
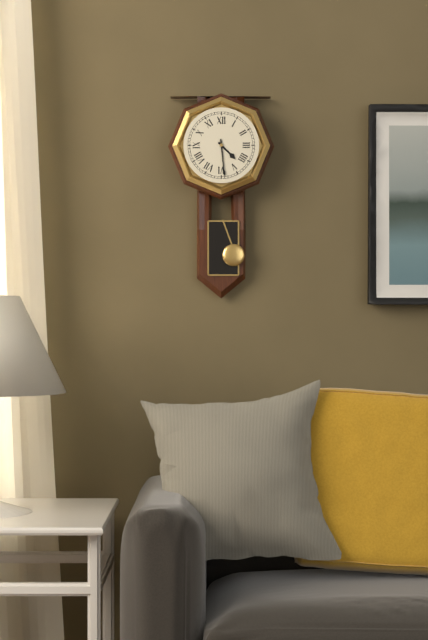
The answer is 4:29
